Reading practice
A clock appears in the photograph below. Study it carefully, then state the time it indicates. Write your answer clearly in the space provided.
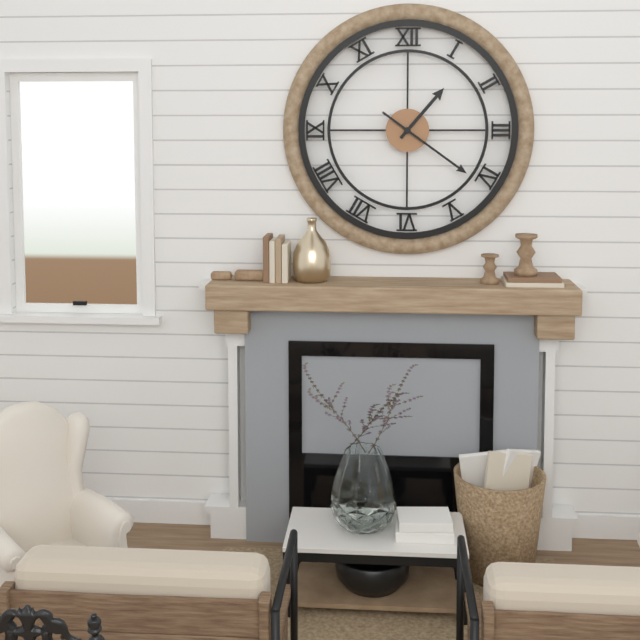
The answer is 1:21
